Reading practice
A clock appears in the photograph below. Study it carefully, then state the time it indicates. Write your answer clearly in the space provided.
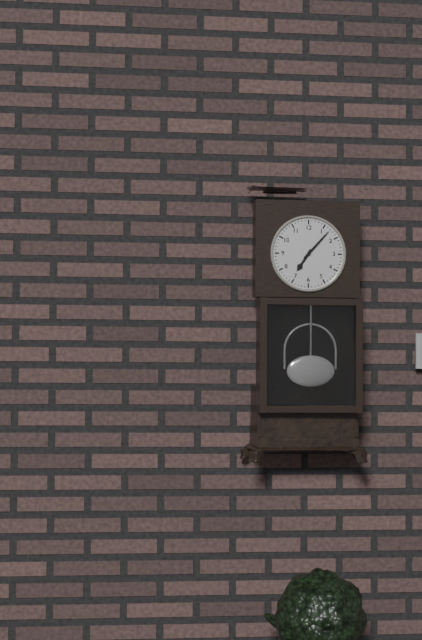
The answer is 7:07
